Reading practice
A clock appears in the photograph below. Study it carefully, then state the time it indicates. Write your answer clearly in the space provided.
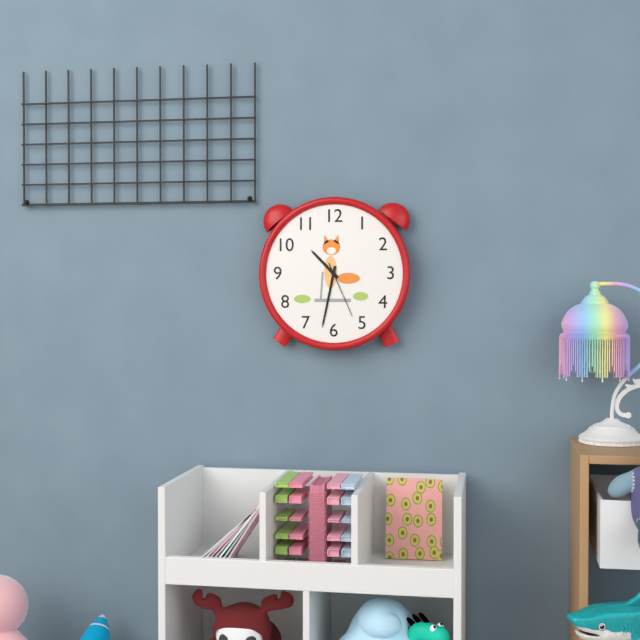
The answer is 10:32:26
